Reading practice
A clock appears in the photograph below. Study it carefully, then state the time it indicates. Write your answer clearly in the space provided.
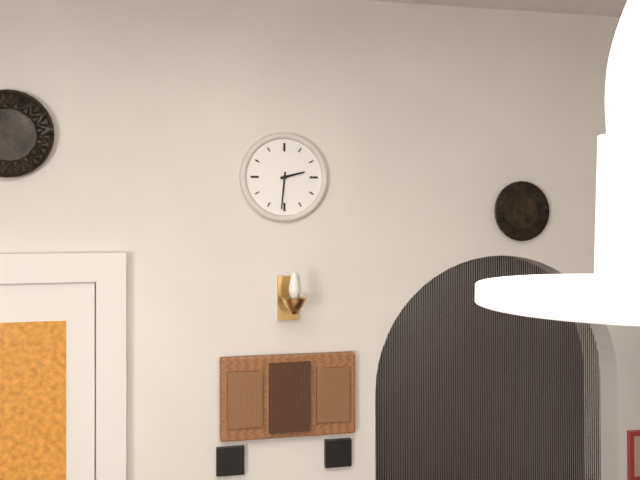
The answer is 2:31
